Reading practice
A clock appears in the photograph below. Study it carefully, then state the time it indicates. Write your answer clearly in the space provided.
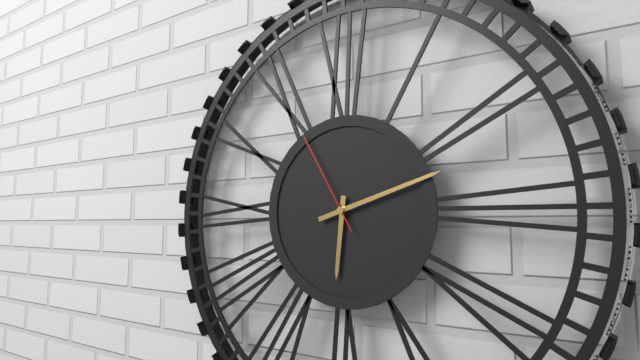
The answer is 6:12:55
